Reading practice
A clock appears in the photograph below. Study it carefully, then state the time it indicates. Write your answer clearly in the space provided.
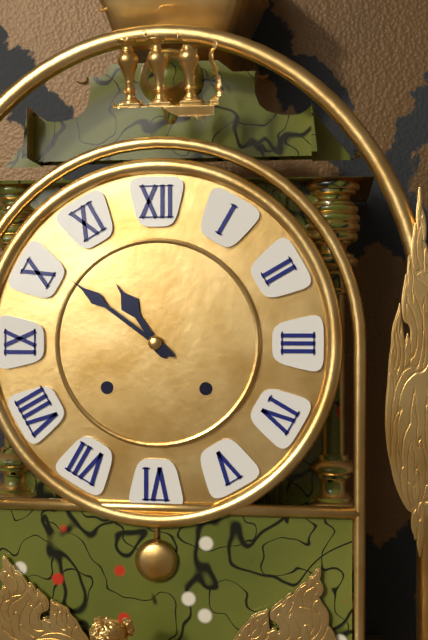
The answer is 10:51
